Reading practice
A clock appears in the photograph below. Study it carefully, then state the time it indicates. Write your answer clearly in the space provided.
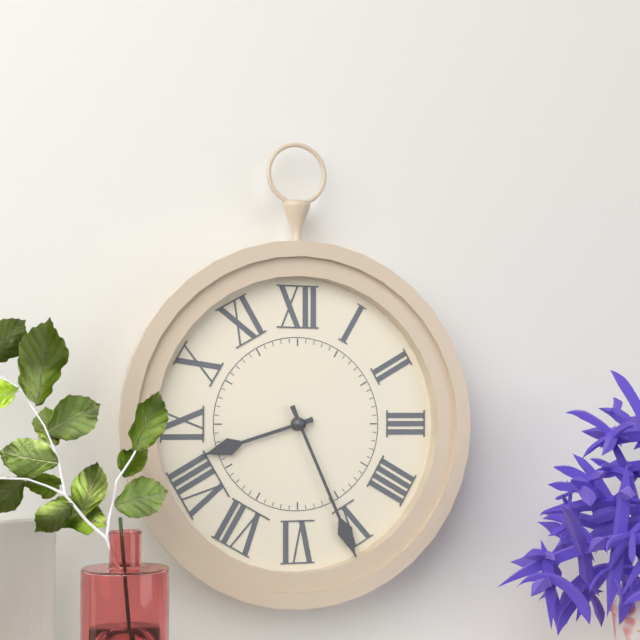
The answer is 8:26
